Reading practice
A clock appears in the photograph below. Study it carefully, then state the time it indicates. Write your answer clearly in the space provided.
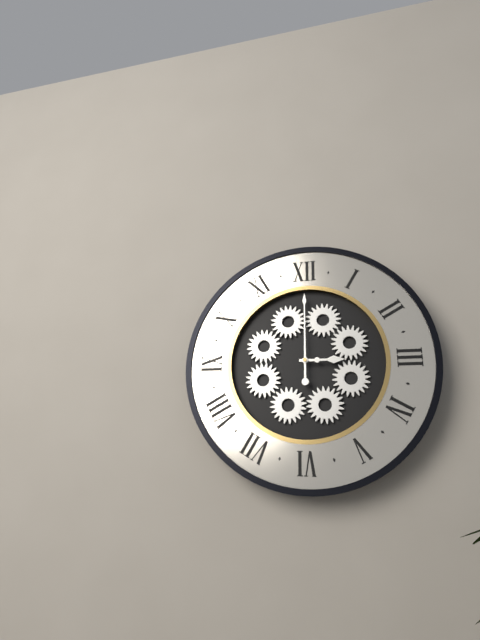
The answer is 3:00
